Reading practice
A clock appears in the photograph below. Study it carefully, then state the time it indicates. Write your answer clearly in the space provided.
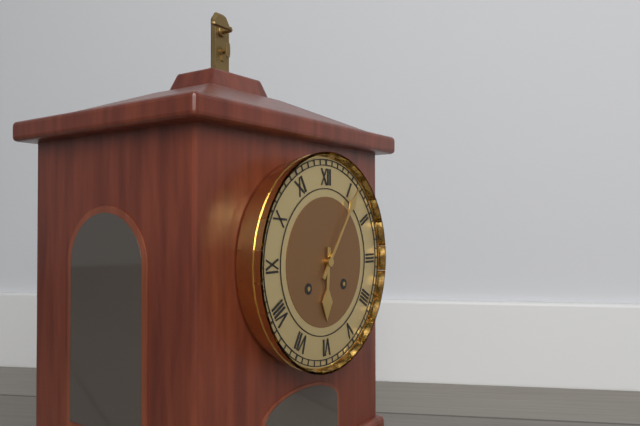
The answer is 6:06
